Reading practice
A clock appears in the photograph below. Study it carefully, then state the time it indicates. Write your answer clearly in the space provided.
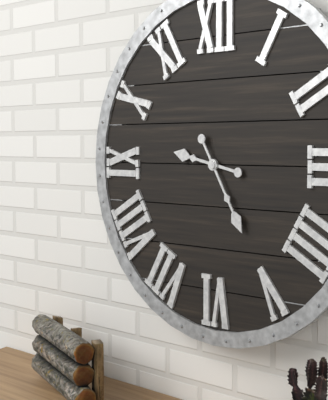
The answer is 9:25
